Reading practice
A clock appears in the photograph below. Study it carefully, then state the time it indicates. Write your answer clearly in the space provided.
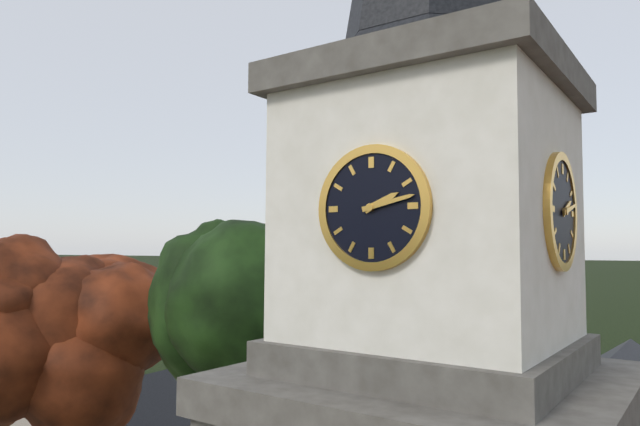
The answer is 2:13
